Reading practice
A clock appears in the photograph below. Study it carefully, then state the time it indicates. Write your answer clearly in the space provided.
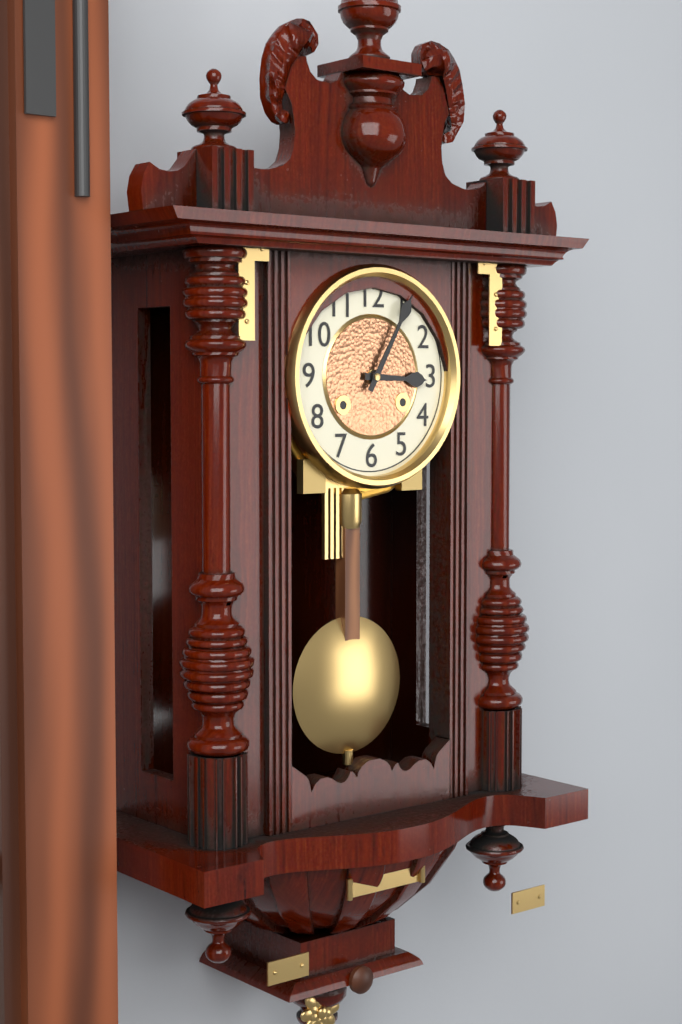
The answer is 3:05
